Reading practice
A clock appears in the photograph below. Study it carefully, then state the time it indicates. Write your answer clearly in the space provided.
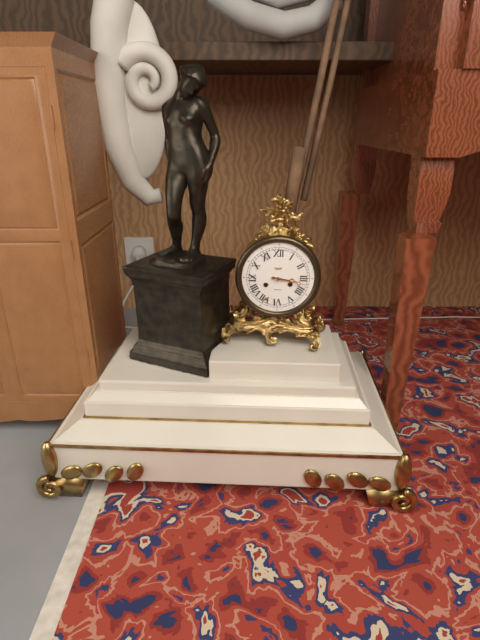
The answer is 3:17
